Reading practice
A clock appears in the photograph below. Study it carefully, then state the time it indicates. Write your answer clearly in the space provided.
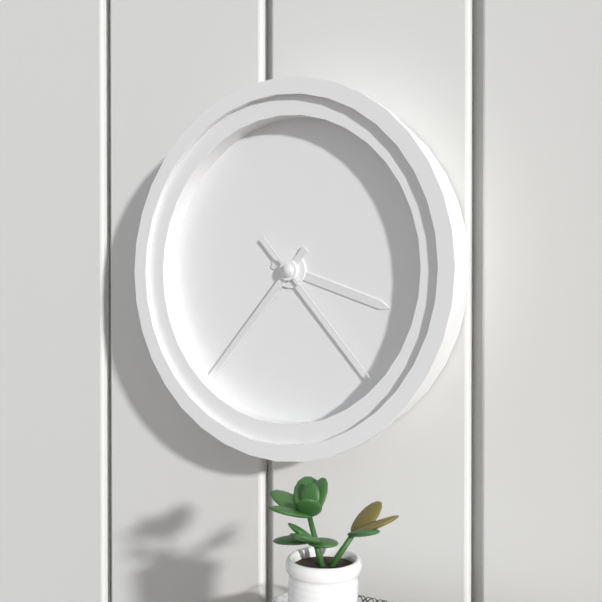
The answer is 3:37:23
